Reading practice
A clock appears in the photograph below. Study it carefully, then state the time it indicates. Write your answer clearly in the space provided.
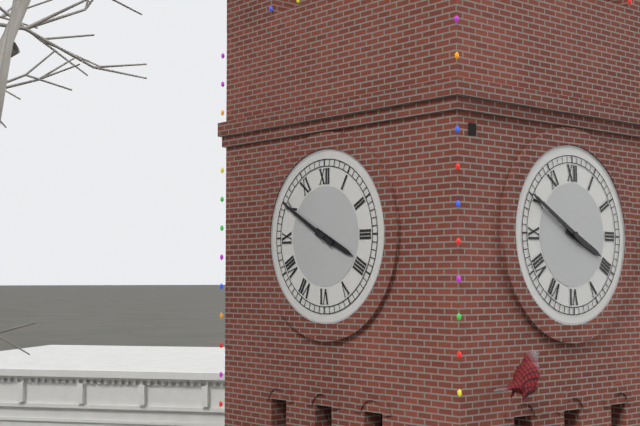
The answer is 3:50
